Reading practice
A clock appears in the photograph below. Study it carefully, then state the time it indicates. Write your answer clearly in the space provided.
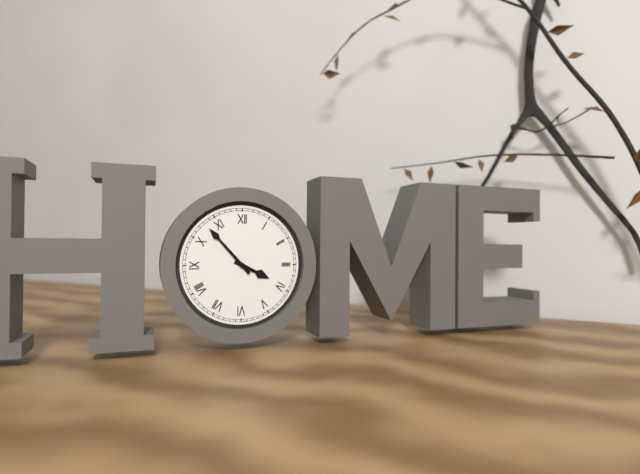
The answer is 3:53
